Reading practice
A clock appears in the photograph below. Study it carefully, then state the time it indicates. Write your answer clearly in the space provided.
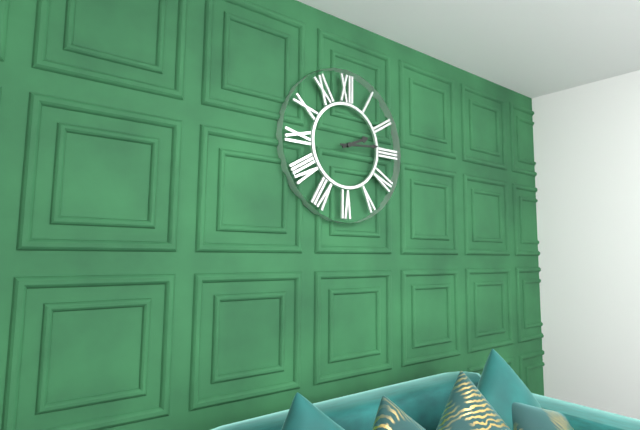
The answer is 2:14
